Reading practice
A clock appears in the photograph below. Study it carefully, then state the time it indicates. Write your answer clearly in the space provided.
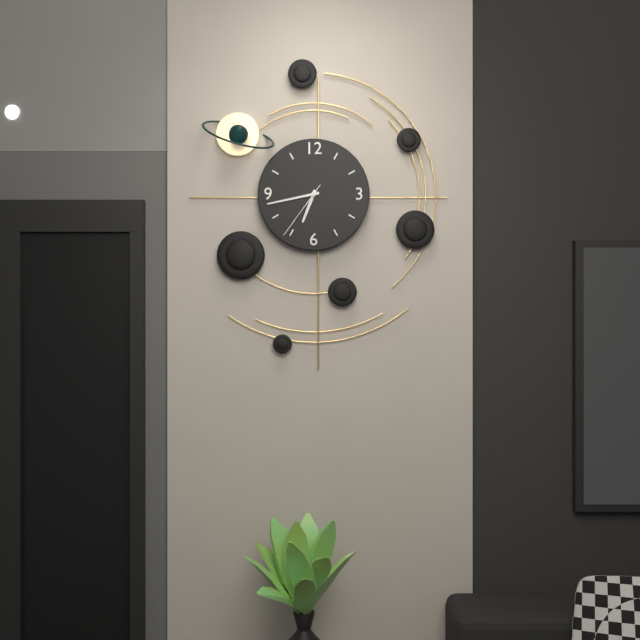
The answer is 6:43:36
